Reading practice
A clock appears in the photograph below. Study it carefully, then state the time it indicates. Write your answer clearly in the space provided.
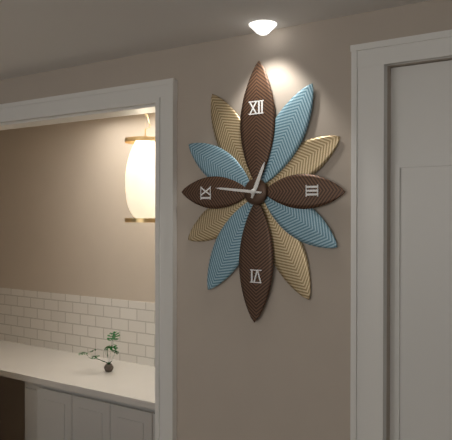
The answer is 12:46
